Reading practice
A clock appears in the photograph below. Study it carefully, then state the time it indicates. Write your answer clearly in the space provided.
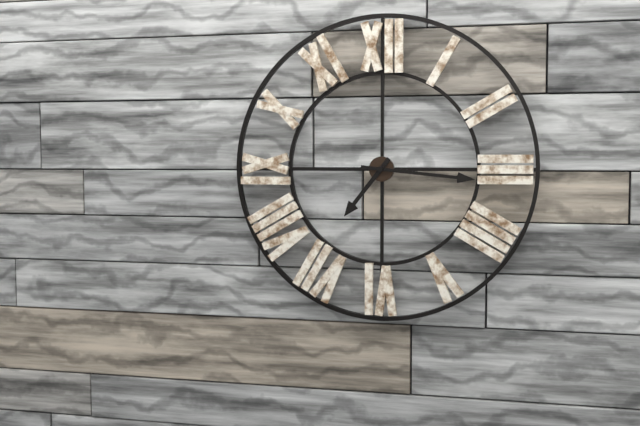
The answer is 7:16
